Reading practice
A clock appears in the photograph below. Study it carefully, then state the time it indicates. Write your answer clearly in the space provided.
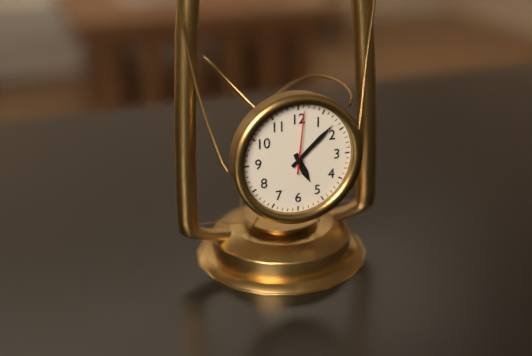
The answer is 5:08:01
